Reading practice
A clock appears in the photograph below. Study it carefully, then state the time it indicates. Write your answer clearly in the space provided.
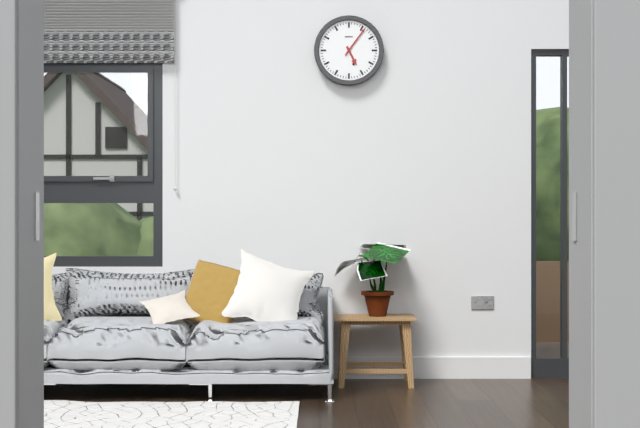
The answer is 5:06
